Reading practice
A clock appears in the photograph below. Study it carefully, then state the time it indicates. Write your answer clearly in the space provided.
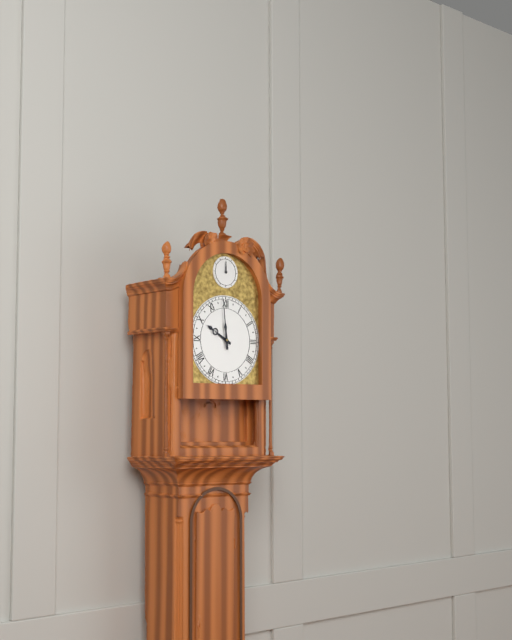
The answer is 9:59
